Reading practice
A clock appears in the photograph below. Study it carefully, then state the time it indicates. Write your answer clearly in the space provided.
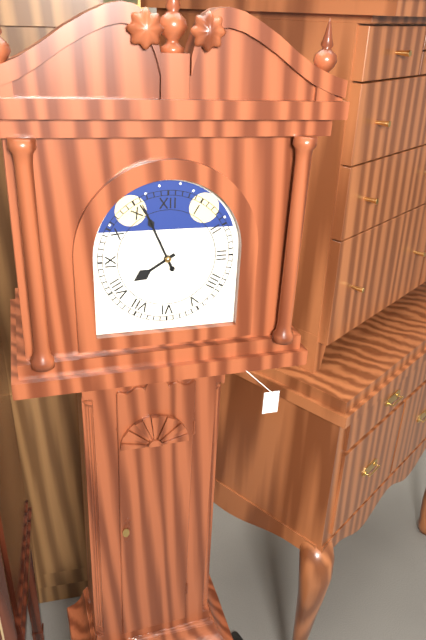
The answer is 7:56
